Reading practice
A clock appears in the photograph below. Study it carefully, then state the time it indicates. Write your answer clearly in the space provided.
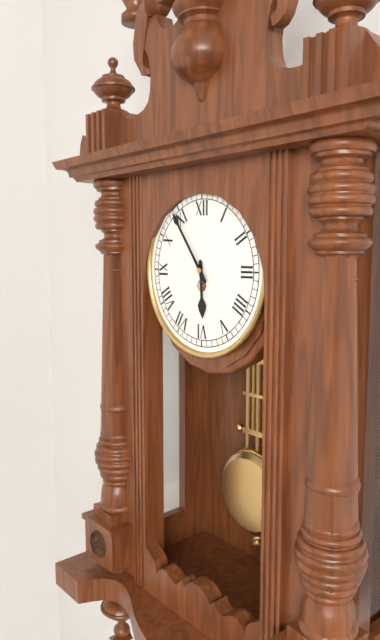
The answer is 5:54
